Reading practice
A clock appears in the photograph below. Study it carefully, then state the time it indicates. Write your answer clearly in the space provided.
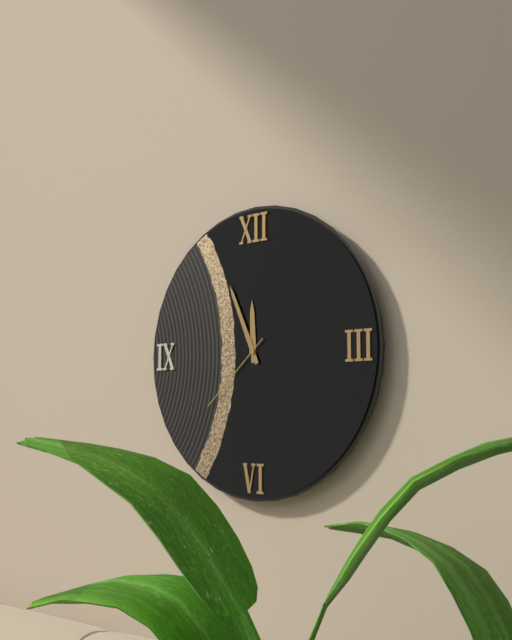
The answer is 11:56:38
